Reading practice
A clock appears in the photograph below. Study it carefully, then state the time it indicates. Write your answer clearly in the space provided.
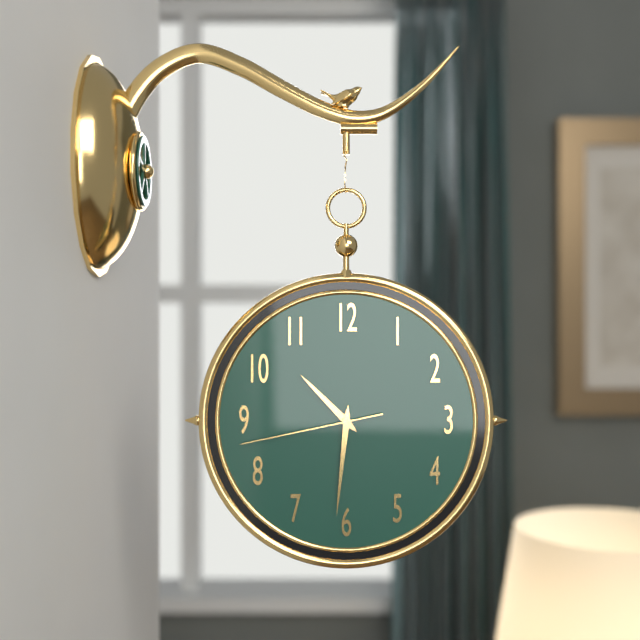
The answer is 10:31:43
